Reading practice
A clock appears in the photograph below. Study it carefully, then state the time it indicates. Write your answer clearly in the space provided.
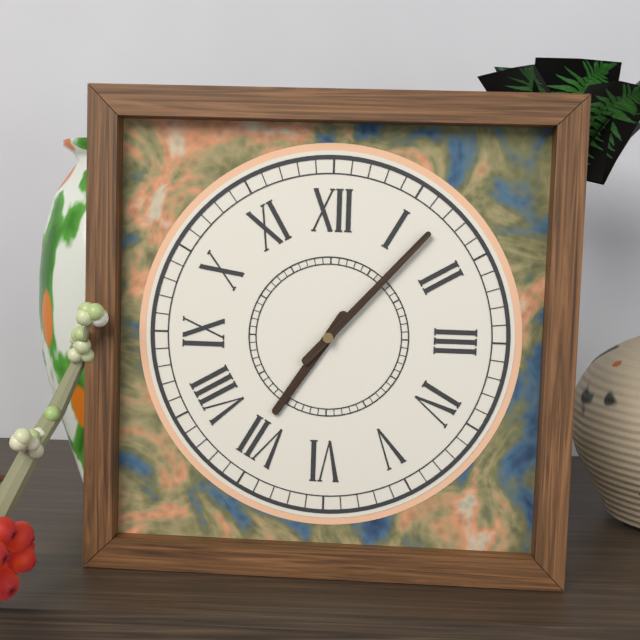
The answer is 7:07
